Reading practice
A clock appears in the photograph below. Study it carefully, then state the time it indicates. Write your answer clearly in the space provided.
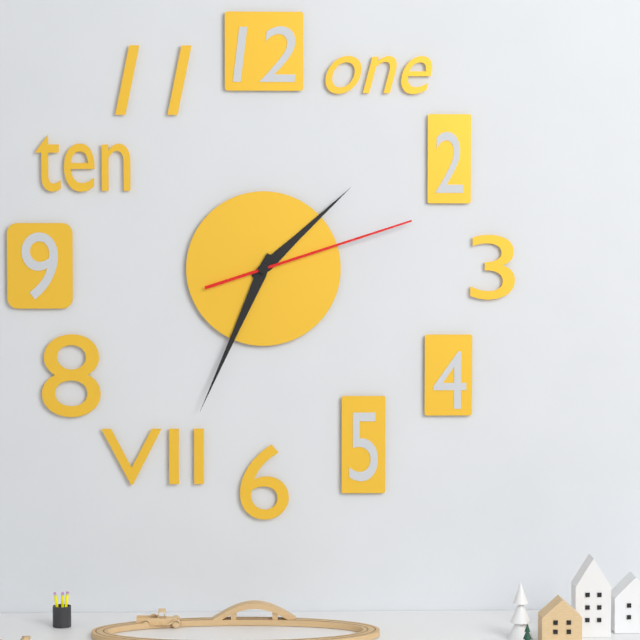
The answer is 1:34:12
